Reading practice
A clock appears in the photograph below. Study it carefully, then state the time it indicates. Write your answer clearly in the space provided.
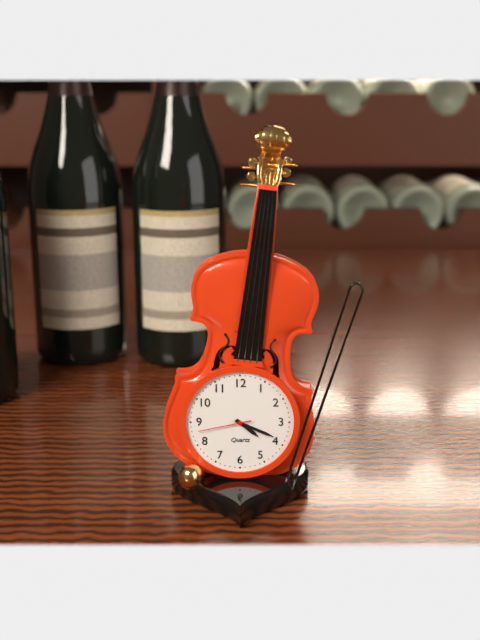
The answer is 4:19:43
